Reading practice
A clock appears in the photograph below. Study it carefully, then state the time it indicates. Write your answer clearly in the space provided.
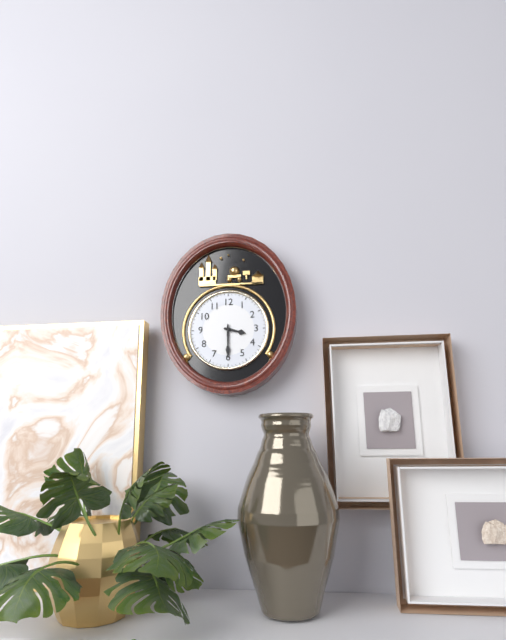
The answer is 3:30
